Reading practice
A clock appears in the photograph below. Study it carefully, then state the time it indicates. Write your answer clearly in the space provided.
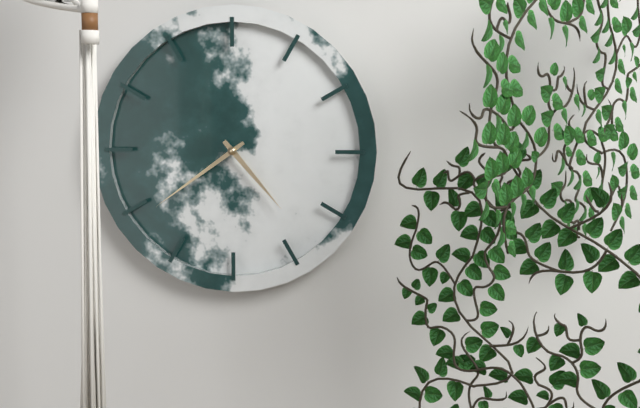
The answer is 4:39
